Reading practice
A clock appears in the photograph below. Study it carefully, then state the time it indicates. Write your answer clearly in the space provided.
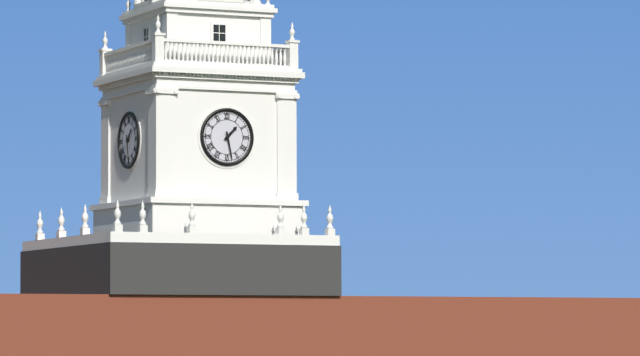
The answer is 1:28
